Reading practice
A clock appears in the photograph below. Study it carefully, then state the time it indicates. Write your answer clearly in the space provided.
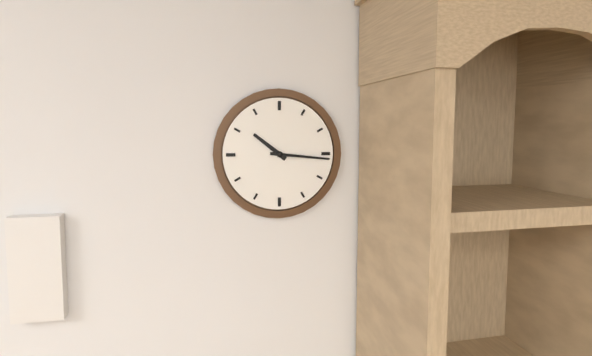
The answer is 10:16
